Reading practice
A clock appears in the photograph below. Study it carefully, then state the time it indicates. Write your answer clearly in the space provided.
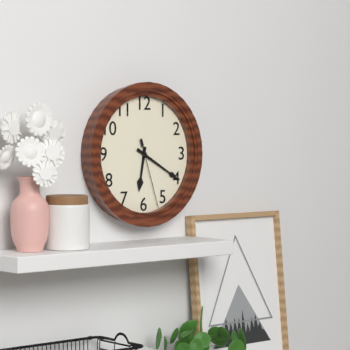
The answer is 6:20:27
